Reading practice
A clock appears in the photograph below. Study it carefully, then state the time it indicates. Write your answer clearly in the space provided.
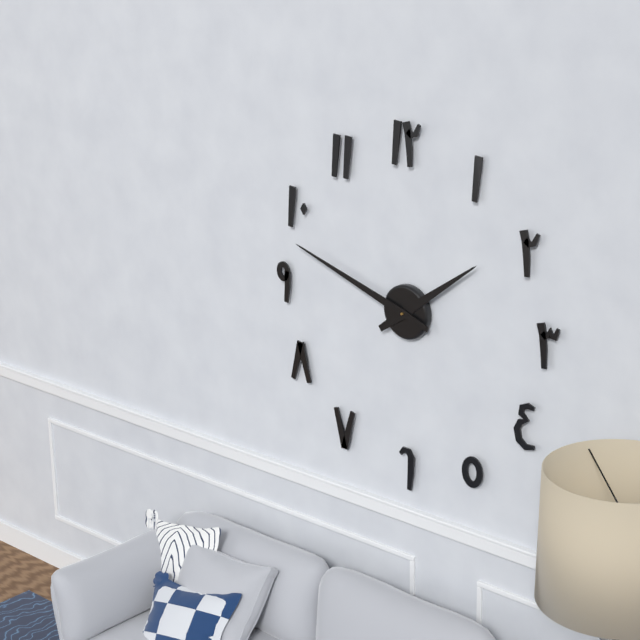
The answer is 1:48
